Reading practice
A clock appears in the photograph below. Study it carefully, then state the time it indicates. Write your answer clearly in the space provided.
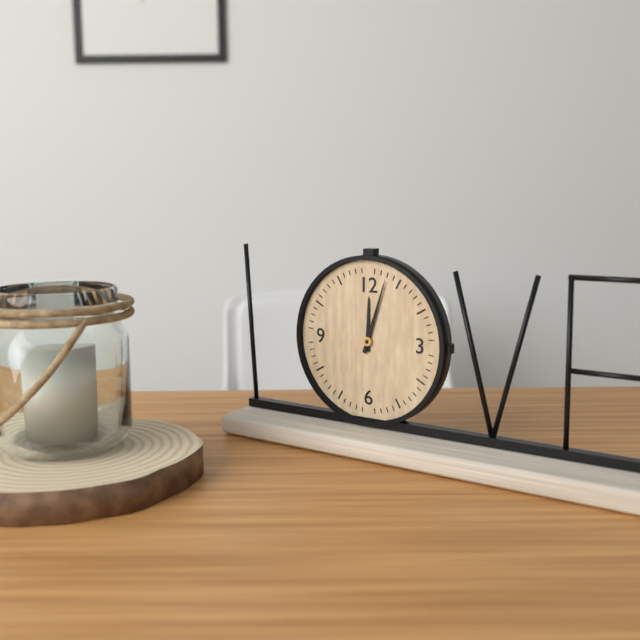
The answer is 12:03
